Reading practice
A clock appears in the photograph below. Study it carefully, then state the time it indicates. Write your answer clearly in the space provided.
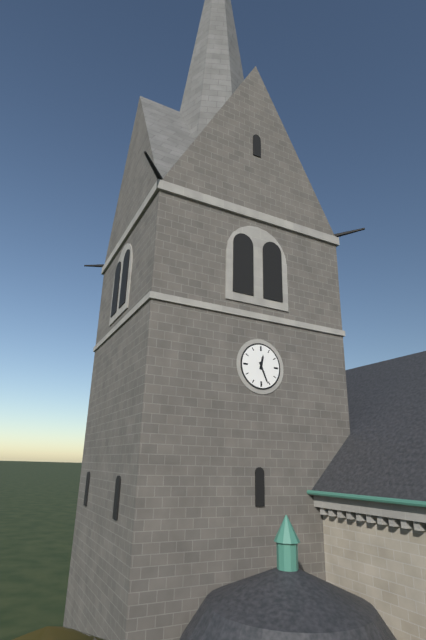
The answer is 12:26
